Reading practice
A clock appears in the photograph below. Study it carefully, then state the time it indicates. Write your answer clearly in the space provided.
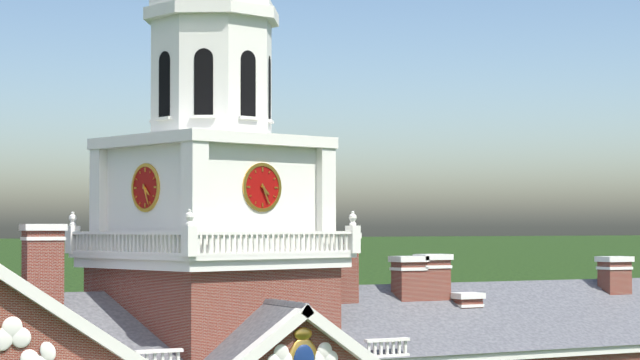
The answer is 4:26
